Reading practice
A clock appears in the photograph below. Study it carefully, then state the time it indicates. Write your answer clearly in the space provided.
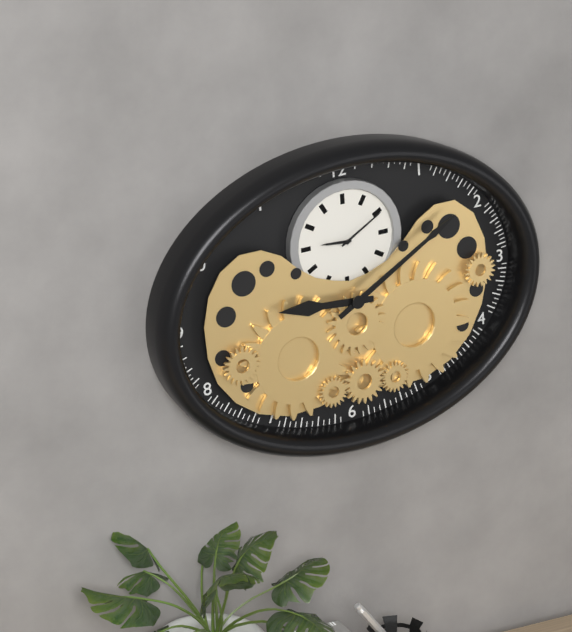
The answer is 9:10
